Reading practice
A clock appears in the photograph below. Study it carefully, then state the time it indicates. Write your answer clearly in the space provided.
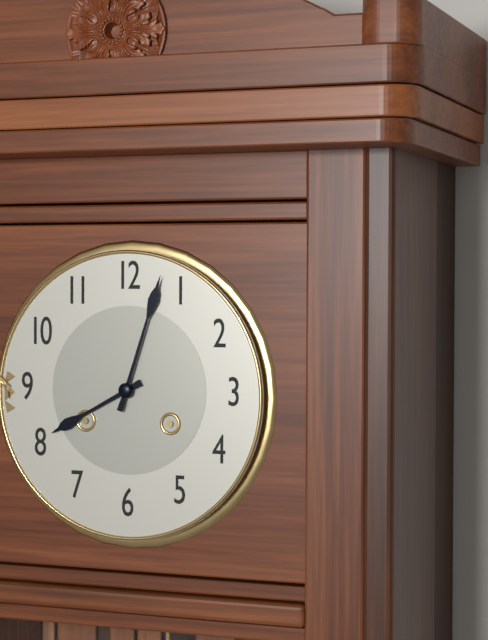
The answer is 8:03
